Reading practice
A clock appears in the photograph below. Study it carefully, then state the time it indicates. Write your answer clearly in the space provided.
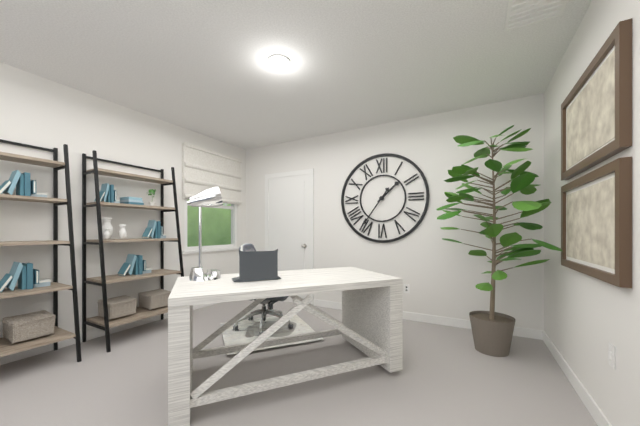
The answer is 1:36
